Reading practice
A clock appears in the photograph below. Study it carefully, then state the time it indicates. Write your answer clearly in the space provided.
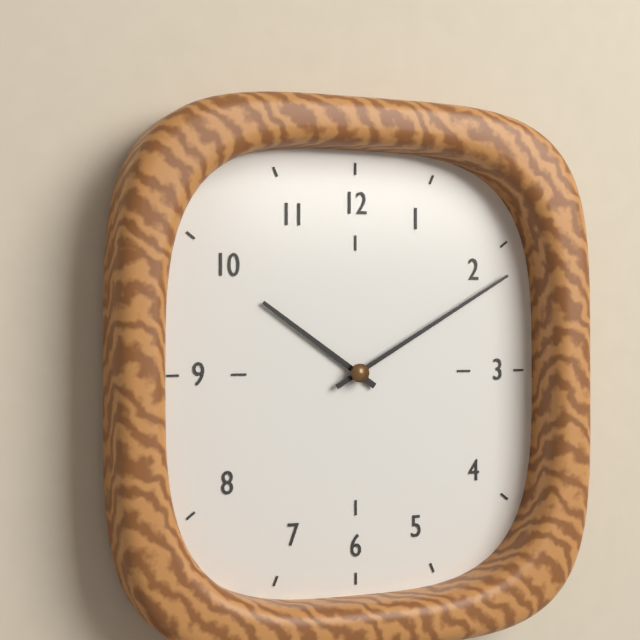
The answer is 10:10
